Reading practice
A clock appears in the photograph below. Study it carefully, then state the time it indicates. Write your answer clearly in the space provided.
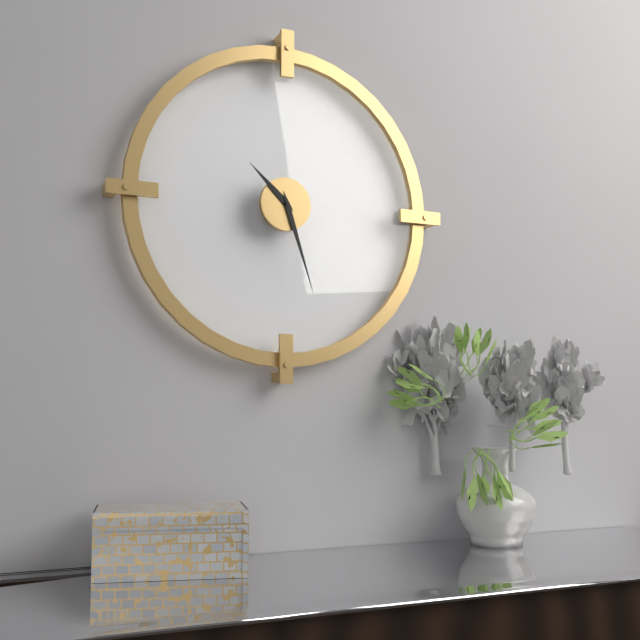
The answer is 10:27
